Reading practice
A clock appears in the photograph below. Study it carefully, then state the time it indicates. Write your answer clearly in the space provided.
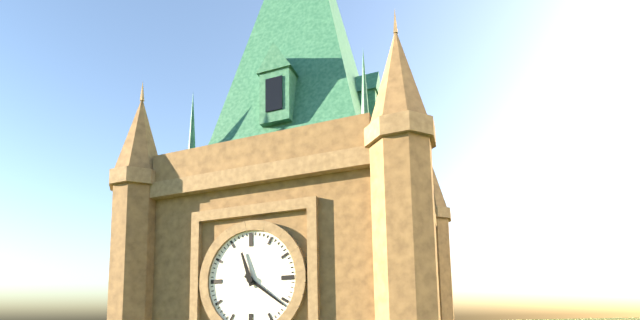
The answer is 11:21
